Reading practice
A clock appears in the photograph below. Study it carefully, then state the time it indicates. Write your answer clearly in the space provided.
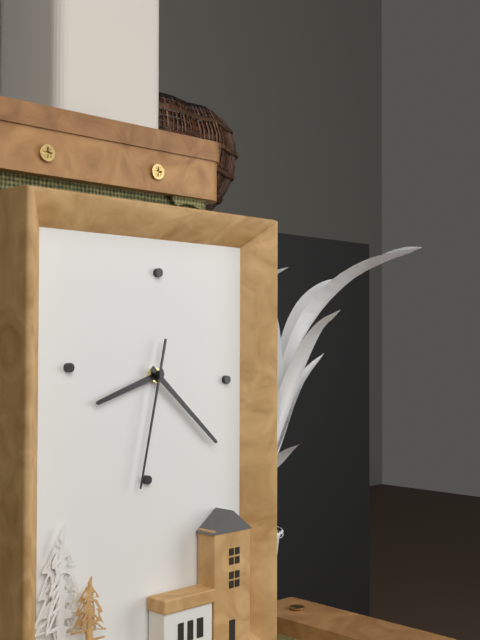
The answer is 8:22:32
